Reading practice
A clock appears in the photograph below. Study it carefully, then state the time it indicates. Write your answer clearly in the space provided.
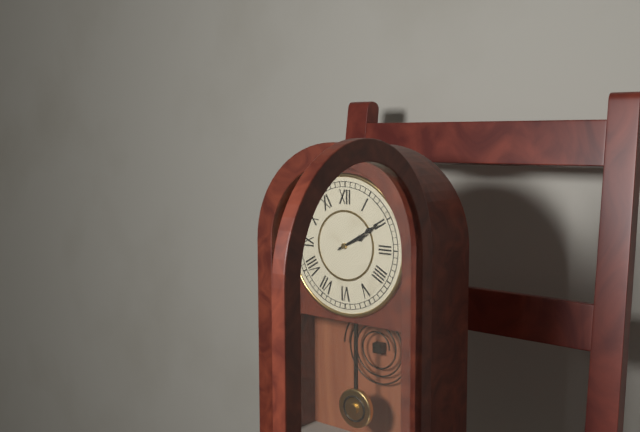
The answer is 2:10
